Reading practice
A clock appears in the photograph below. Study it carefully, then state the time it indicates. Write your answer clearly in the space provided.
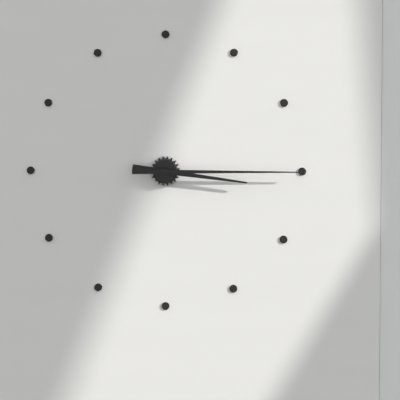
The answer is 3:15
